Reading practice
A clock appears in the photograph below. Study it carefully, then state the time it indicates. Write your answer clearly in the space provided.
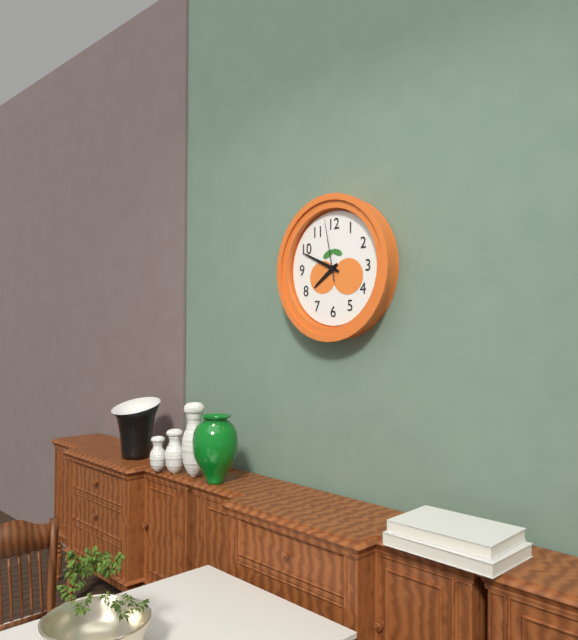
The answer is 7:49:58
